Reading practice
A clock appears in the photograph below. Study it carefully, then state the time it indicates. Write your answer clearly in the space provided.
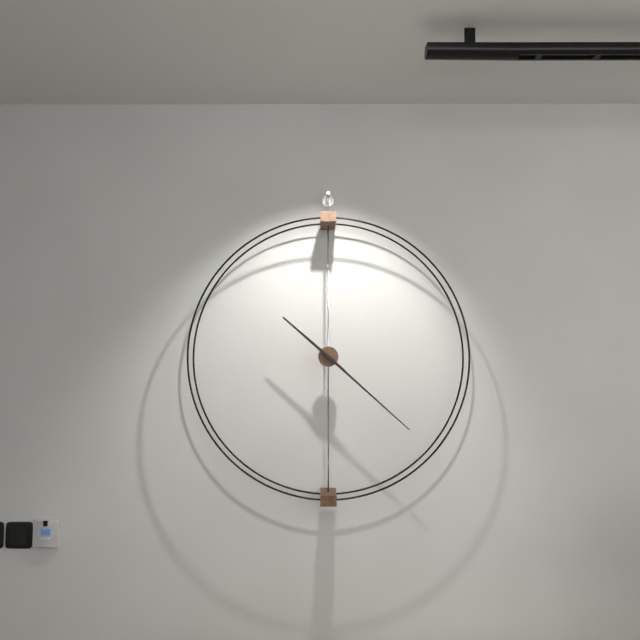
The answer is 10:22
